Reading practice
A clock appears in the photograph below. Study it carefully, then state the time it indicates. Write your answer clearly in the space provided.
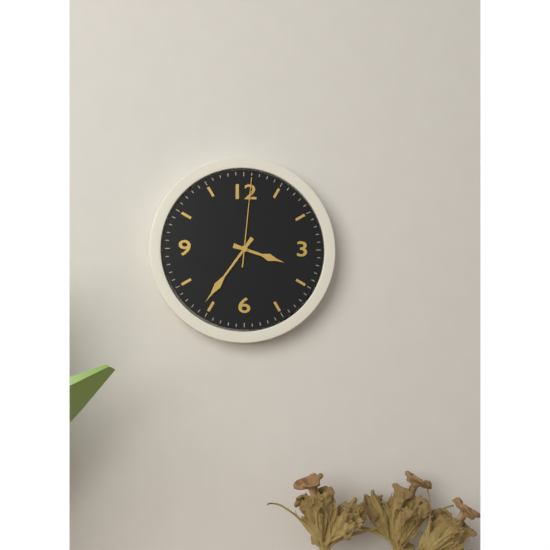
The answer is 3:36:01
